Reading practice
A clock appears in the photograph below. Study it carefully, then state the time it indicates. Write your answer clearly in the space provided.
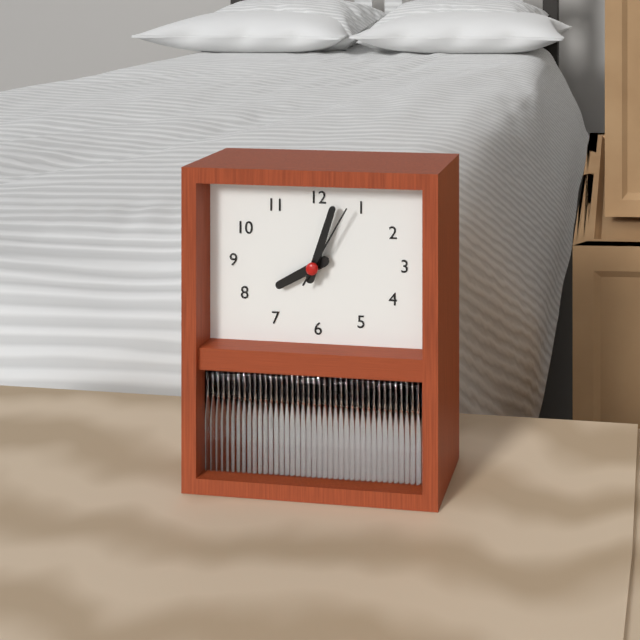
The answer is 8:03:05
